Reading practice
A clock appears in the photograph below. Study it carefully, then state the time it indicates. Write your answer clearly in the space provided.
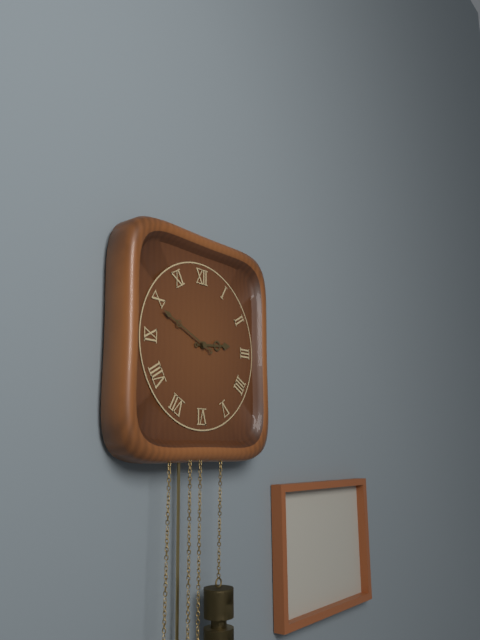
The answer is 2:49
